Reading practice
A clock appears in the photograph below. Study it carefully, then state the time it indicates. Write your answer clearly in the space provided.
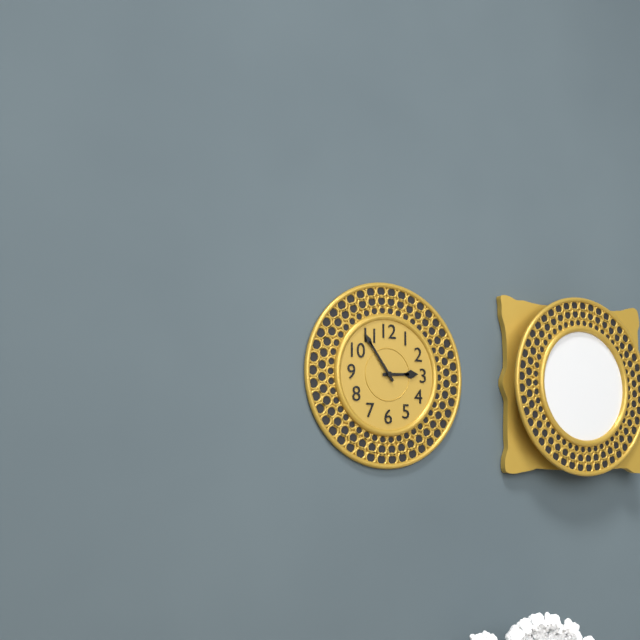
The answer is 2:54
